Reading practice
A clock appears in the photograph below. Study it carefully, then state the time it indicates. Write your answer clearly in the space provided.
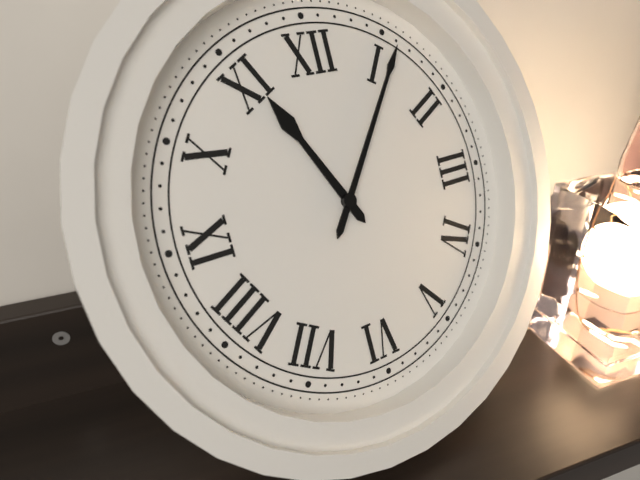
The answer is 11:06
